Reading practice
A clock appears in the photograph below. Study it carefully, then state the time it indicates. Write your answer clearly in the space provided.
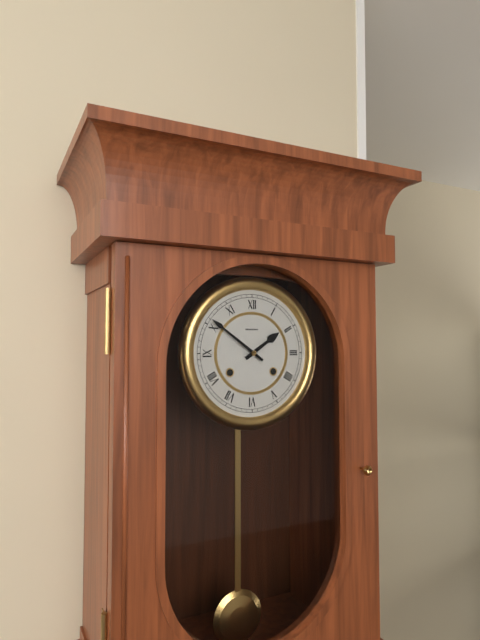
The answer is 1:51
